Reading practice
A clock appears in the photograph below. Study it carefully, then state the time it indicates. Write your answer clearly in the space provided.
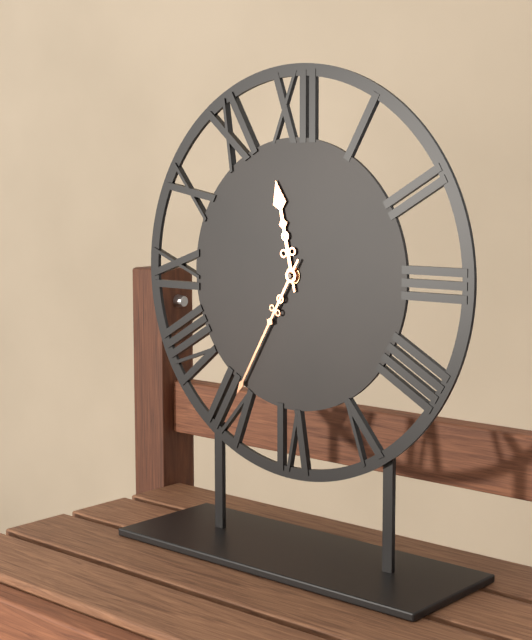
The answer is 11:35
